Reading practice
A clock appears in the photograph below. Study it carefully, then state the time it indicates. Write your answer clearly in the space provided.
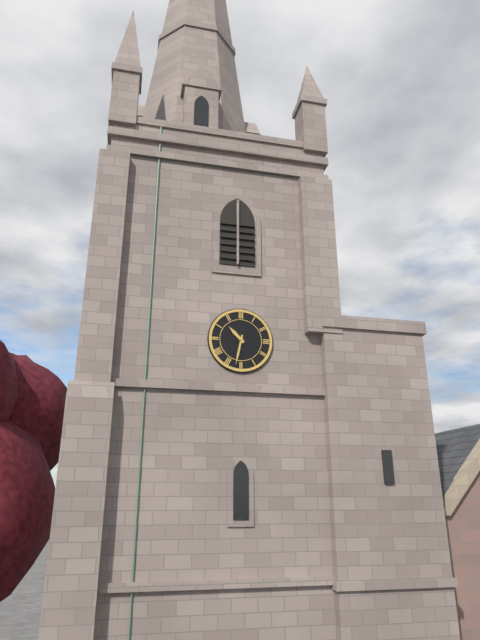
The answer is 10:32
